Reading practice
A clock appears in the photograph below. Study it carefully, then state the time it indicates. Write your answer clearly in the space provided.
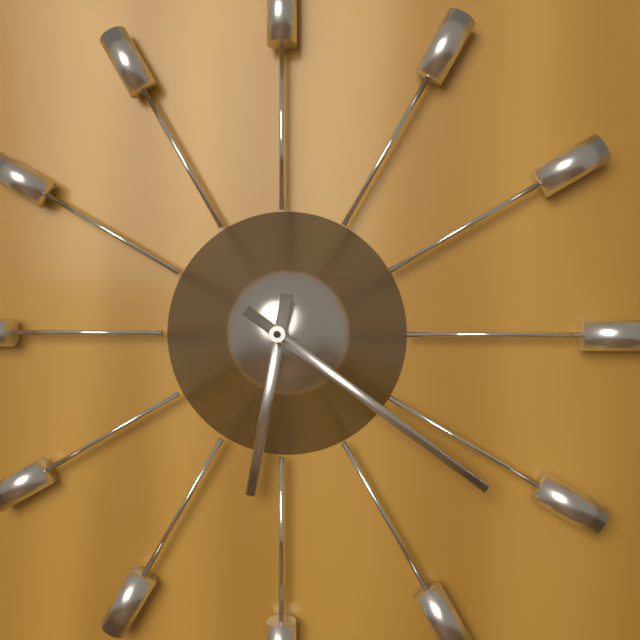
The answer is 6:21
